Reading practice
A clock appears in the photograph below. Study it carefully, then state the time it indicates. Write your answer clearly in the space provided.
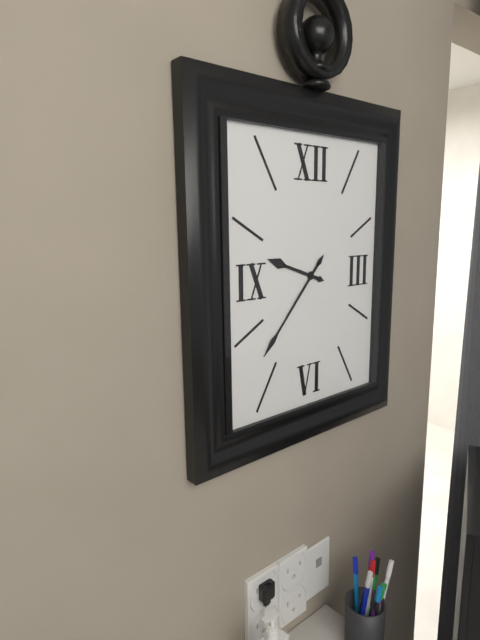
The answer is 9:37
